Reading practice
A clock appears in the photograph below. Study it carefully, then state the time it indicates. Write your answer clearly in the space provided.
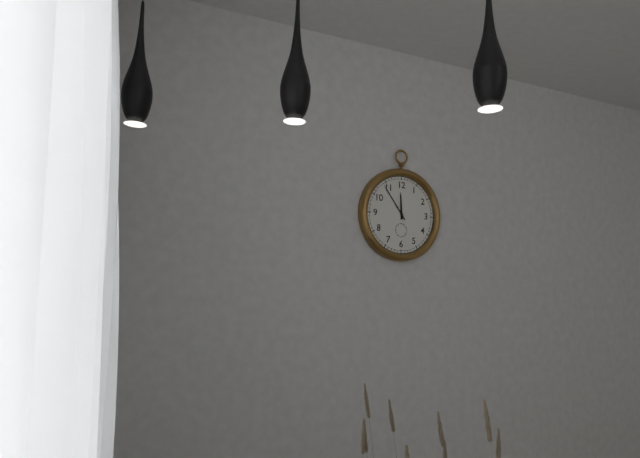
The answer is 11:54
